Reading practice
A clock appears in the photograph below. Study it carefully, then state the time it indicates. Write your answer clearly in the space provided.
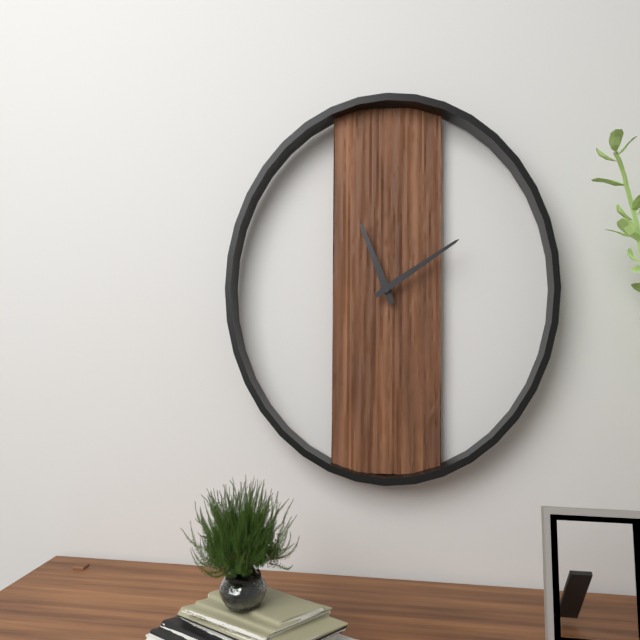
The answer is 11:10
